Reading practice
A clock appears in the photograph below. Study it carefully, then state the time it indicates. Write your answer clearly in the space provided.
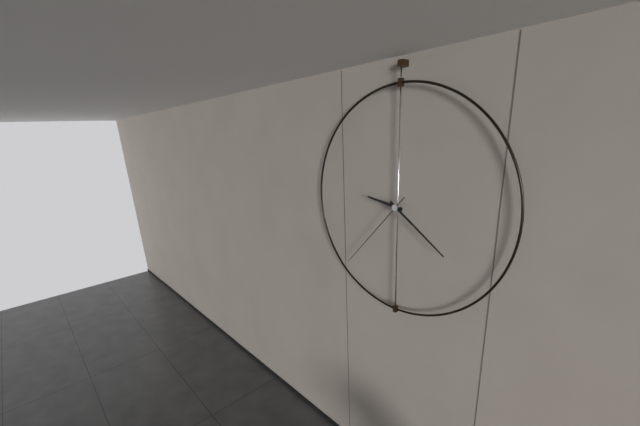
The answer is 9:21:37
